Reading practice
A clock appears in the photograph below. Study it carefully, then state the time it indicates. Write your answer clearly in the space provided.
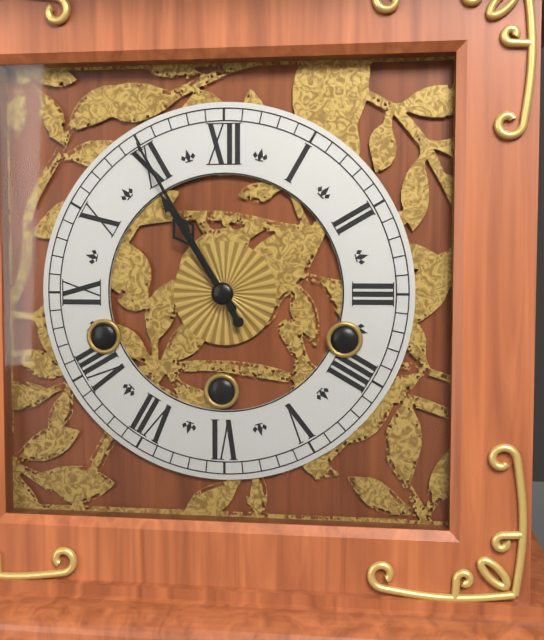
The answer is 10:55
